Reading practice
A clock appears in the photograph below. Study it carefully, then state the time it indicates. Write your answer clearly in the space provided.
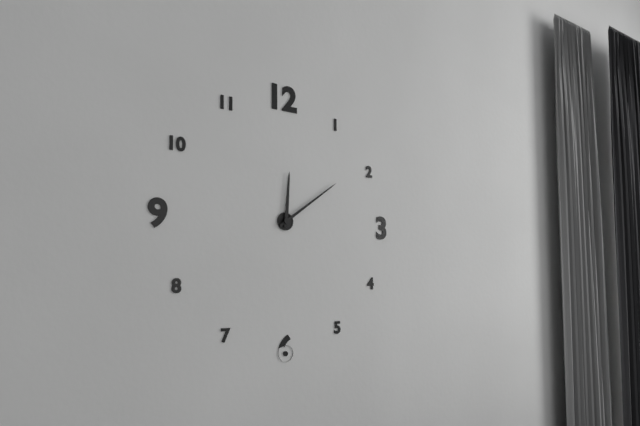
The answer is 12:09
